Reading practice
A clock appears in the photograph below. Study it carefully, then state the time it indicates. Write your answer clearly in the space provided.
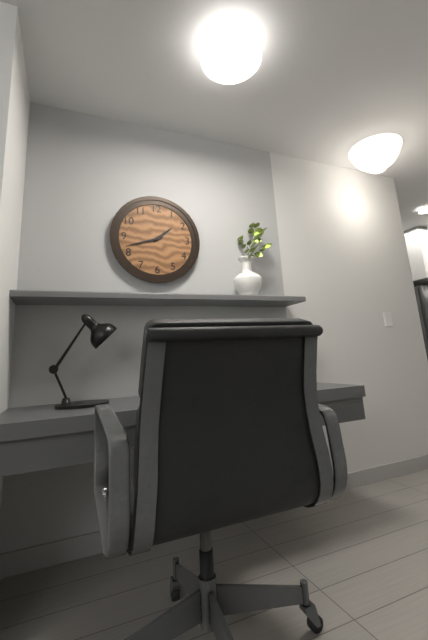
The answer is 1:42
